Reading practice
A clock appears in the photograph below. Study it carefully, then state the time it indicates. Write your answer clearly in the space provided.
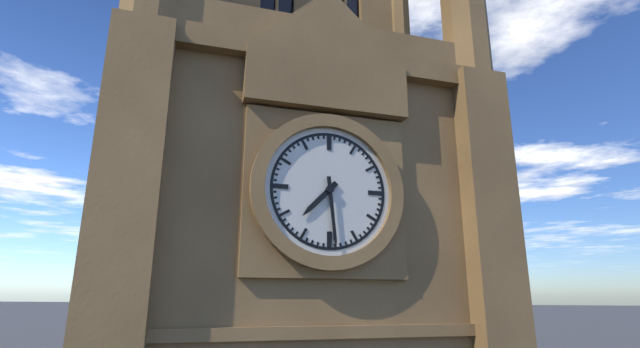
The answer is 7:29
